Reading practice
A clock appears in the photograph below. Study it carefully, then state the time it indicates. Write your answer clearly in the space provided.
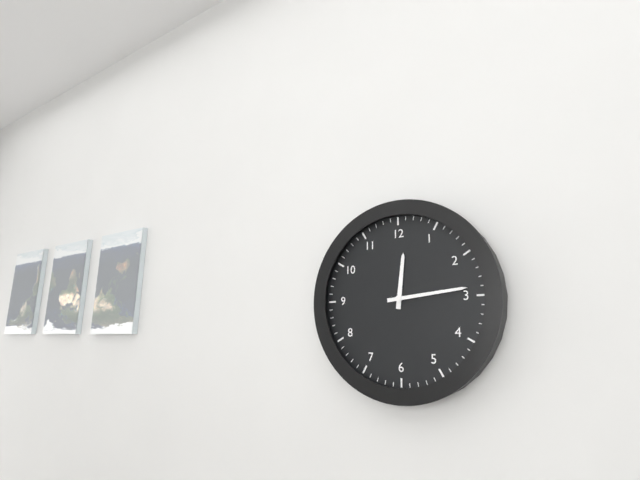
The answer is 12:14
